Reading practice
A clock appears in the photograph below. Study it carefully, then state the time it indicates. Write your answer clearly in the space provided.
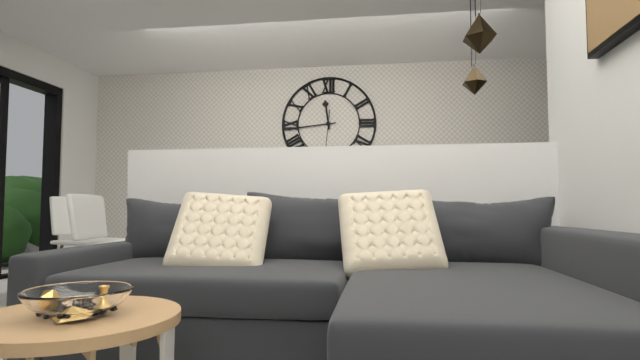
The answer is 11:44
